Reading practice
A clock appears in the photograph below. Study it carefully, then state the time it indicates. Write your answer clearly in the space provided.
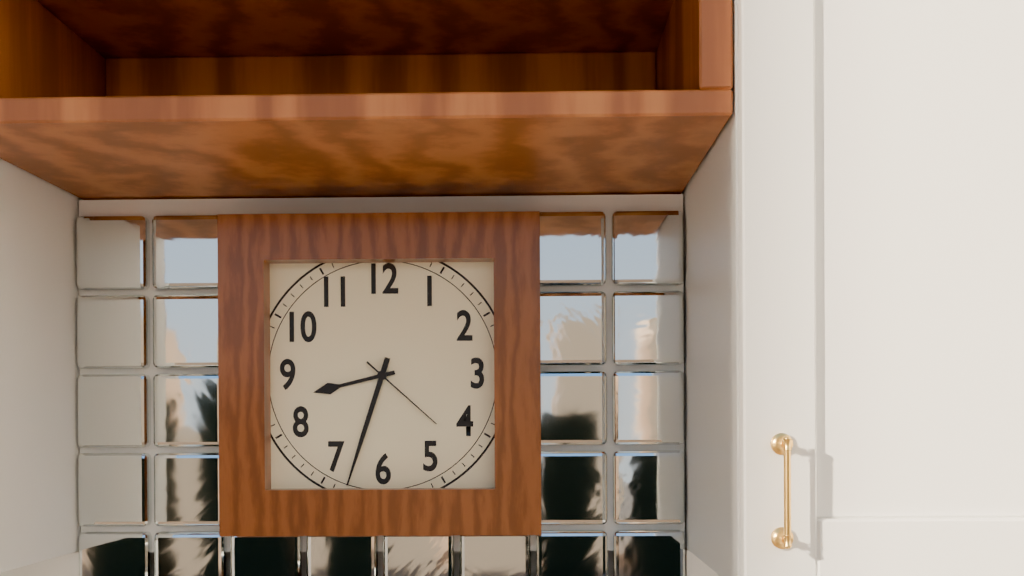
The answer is 8:33:22
